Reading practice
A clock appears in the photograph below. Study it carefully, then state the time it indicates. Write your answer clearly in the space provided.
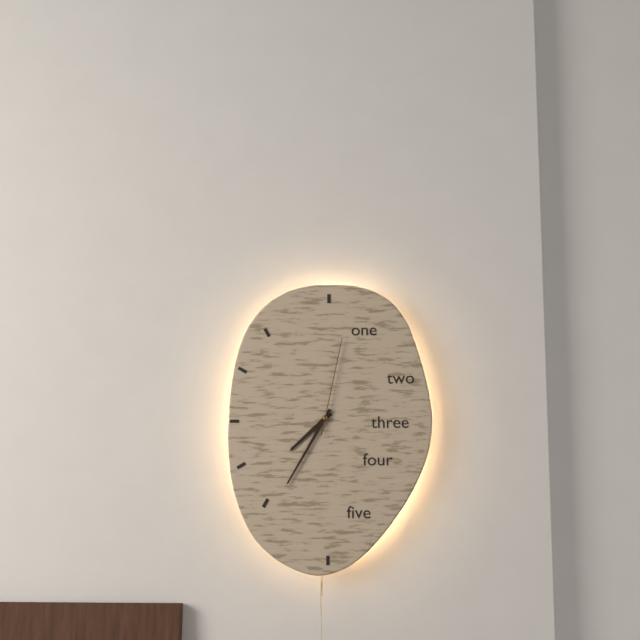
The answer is 7:35:02
